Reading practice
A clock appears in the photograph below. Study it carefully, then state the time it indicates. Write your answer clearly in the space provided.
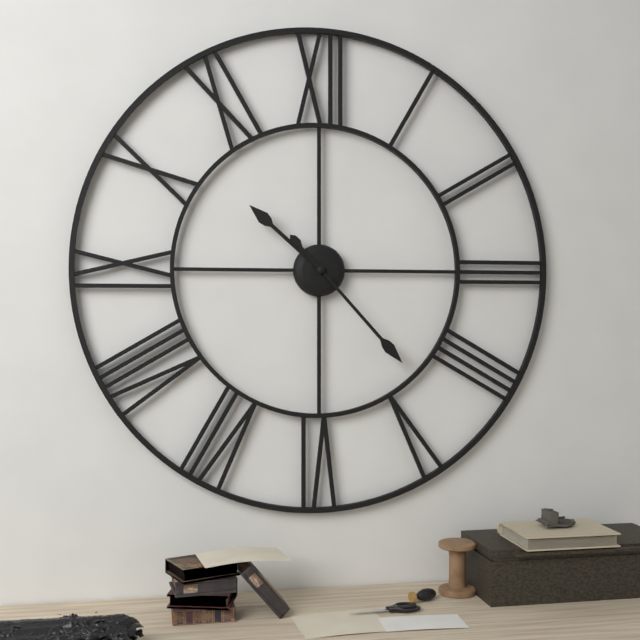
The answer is 10:23
